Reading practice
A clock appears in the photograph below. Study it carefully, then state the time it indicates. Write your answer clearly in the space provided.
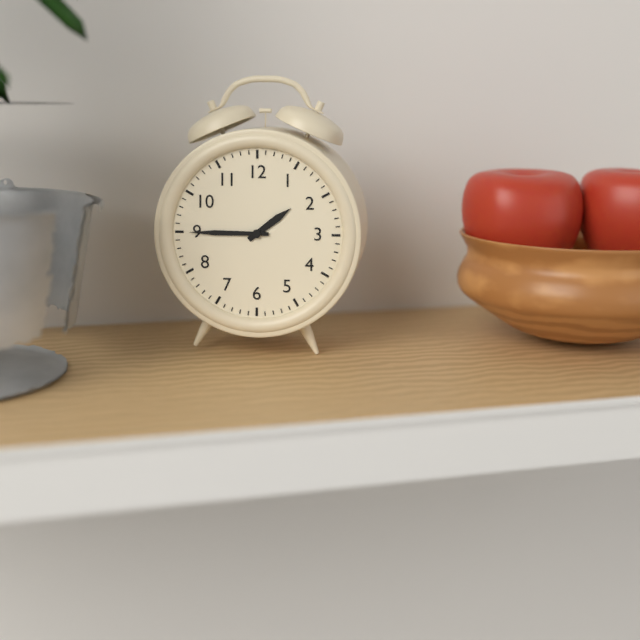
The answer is 1:45
